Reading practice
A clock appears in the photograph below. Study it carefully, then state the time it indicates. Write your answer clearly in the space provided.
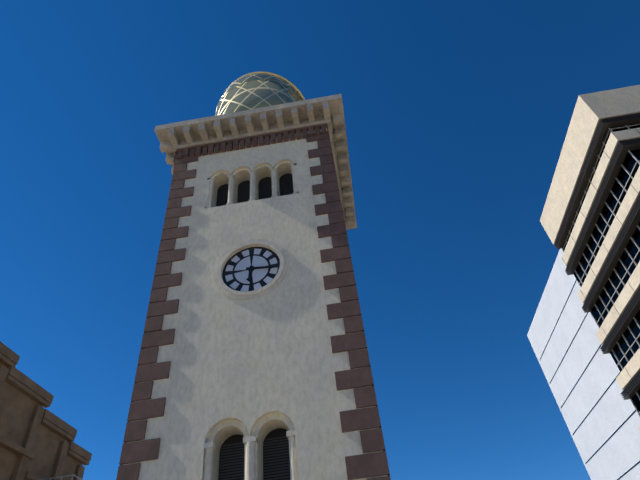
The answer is 6:16
